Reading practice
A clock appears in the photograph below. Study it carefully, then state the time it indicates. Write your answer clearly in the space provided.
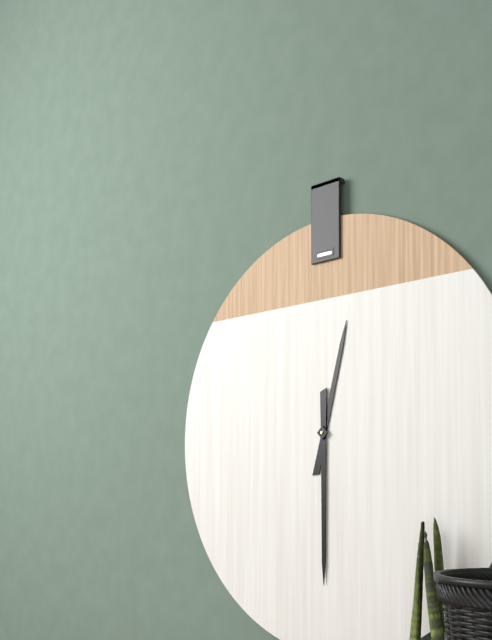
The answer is 12:30
